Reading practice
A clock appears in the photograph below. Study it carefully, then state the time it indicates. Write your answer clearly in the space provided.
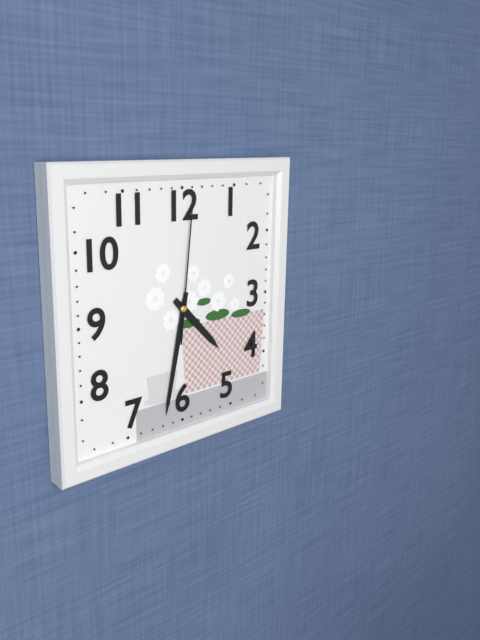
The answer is 4:32:01
